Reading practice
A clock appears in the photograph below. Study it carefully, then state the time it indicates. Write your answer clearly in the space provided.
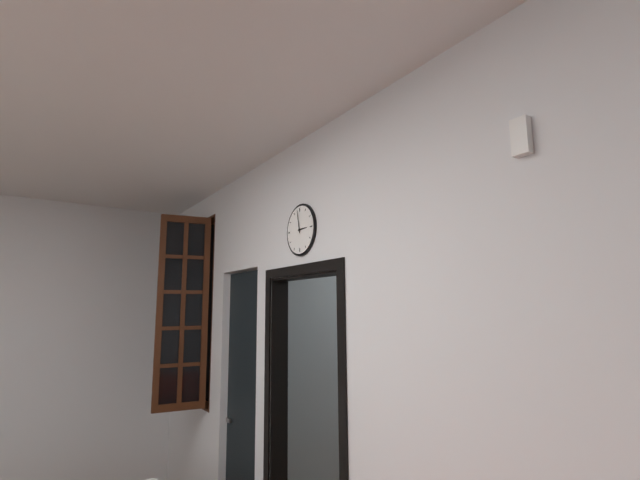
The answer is 2:58
